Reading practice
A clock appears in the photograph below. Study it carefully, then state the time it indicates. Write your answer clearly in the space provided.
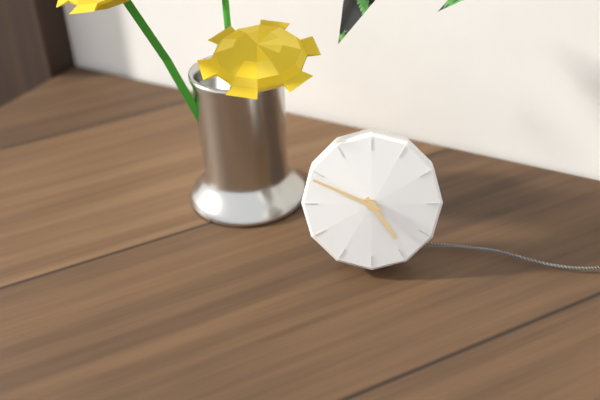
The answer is 4:49
